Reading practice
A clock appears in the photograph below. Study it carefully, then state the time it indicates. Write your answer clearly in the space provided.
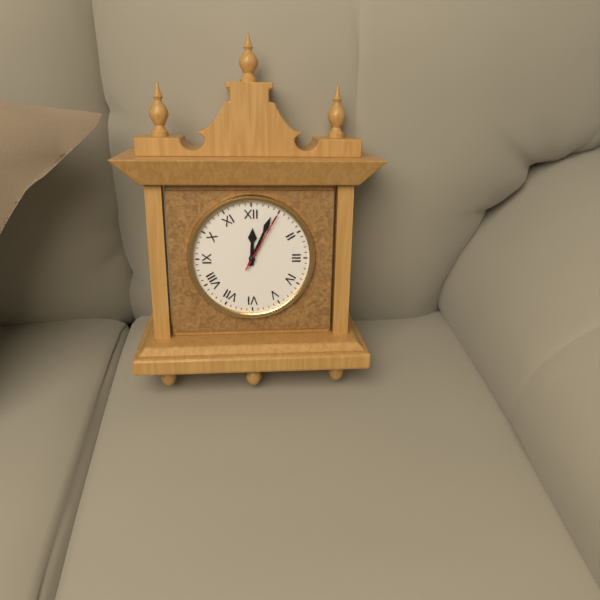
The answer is 12:04:05
